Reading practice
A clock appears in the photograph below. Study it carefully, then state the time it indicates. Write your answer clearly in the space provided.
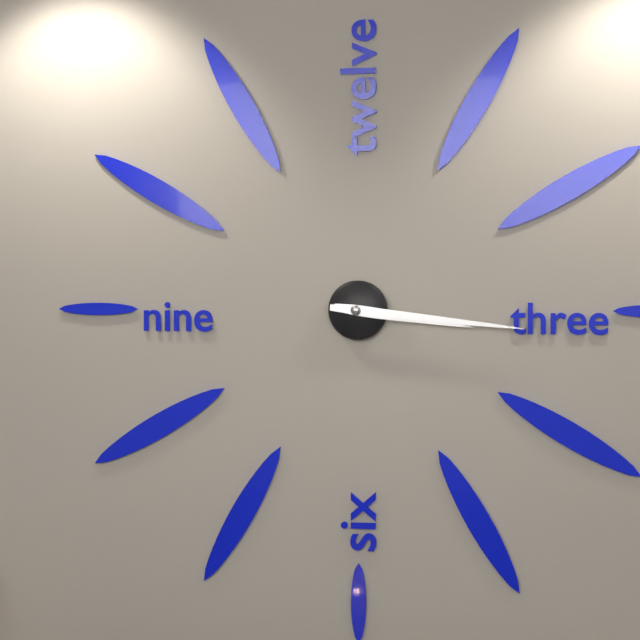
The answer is 3:16
